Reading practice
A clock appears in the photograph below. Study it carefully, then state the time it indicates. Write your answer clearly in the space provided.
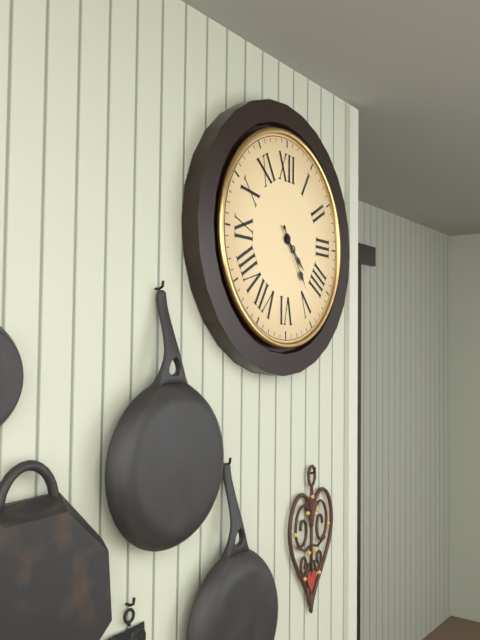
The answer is 4:24
